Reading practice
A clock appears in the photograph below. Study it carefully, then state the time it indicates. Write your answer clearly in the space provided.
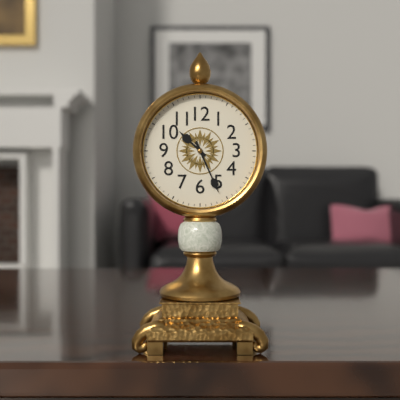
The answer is 10:26
